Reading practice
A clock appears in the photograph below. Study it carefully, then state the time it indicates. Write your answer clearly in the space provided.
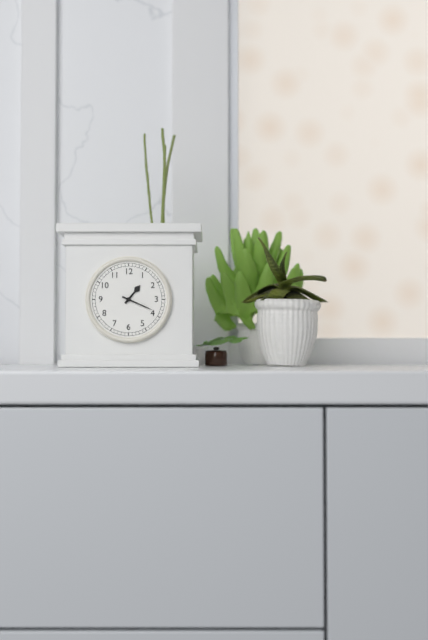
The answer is 1:19
